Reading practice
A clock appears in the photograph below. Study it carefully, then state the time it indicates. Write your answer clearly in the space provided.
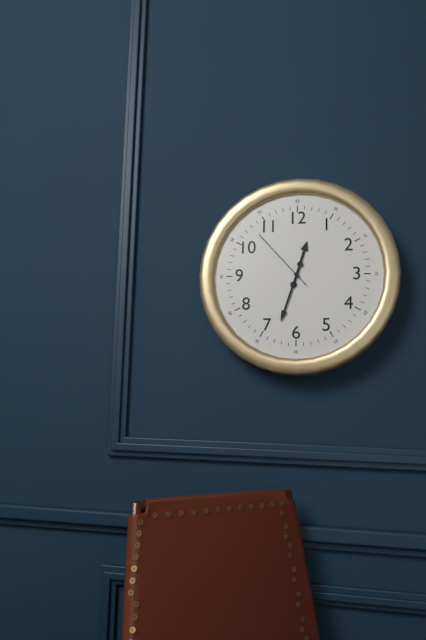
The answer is 12:33:53
